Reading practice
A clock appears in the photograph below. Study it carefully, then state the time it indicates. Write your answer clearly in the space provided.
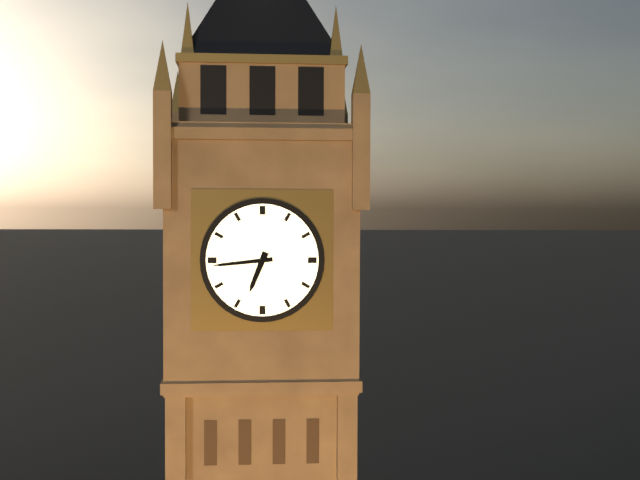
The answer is 6:44
